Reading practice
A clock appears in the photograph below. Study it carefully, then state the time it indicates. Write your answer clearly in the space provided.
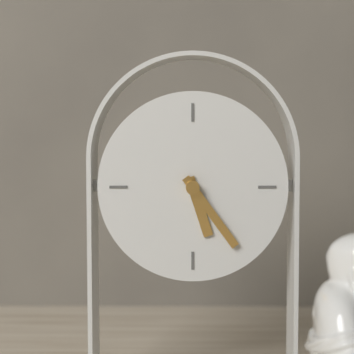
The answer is 5:24
